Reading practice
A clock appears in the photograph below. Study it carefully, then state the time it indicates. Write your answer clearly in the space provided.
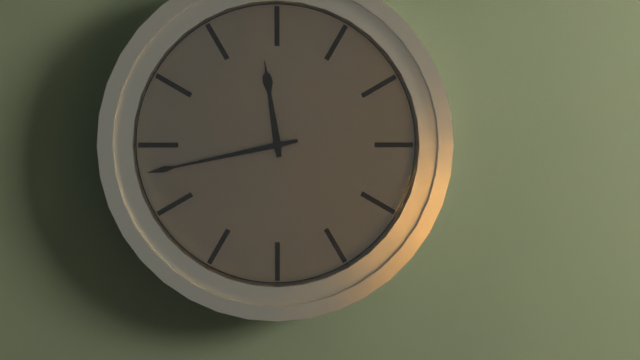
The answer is 11:43
